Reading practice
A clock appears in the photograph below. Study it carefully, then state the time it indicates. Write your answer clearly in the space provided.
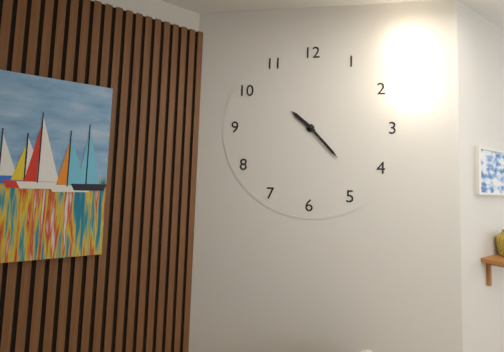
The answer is 10:23
